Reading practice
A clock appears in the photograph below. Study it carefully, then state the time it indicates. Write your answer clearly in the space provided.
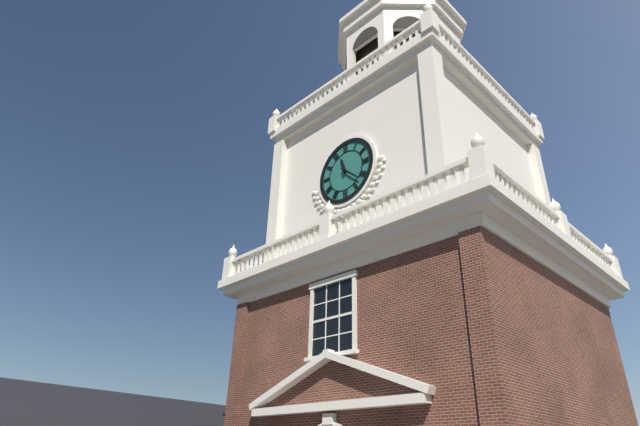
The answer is 11:22
